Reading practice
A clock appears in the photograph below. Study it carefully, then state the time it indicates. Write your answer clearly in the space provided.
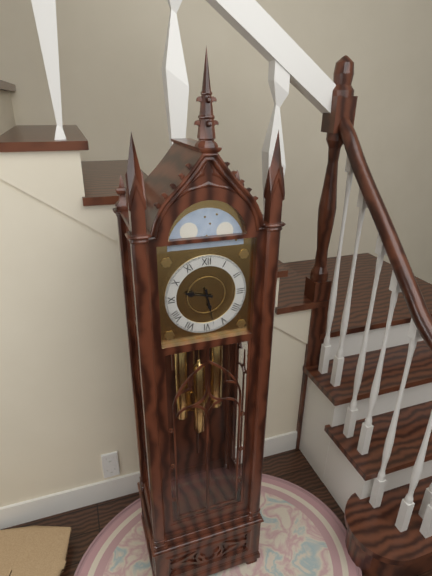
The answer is 9:28
